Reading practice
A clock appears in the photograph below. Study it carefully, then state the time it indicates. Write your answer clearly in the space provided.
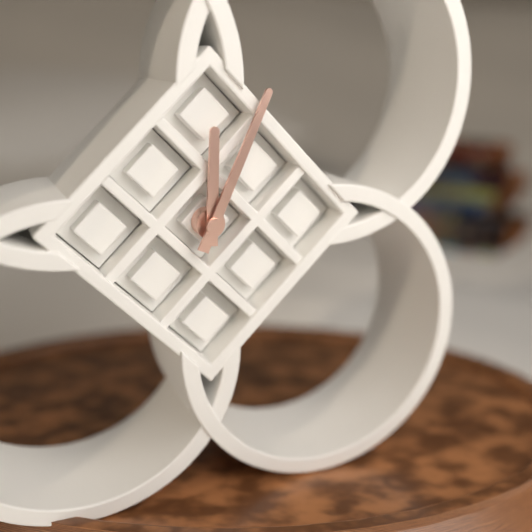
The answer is 12:04
